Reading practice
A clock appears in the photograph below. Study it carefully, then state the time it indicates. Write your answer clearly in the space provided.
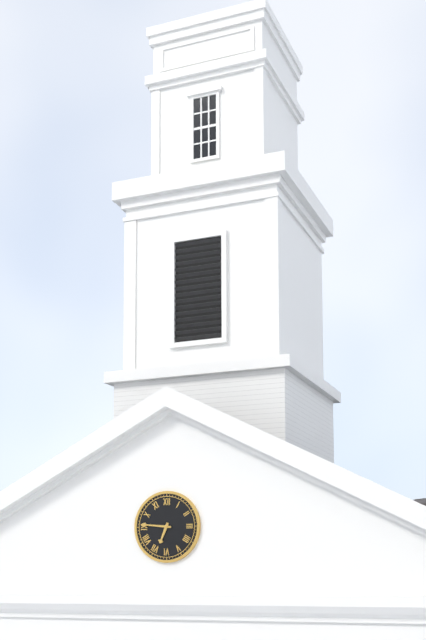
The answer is 6:46
